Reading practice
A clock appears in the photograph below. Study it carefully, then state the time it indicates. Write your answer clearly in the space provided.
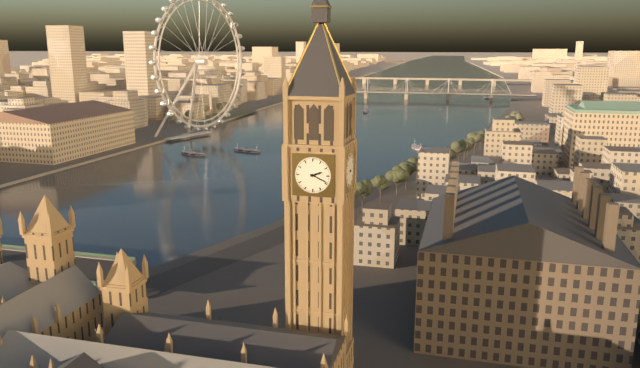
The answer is 2:19
